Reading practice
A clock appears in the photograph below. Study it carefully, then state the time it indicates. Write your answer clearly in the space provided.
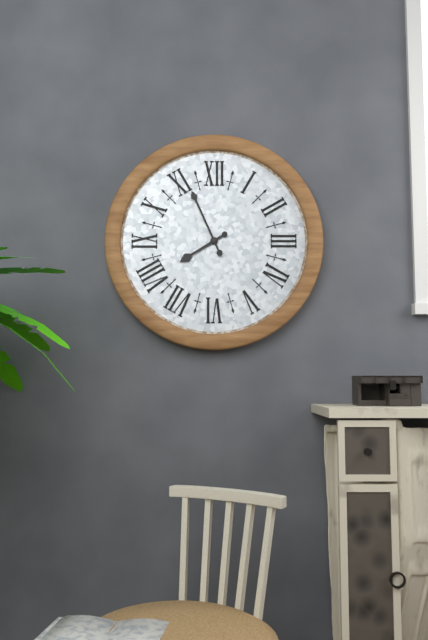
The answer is 7:56
